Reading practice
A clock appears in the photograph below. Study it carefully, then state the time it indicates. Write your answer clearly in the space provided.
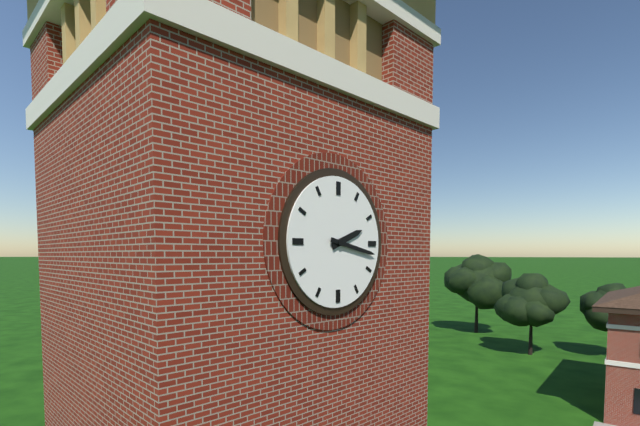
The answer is 2:17
